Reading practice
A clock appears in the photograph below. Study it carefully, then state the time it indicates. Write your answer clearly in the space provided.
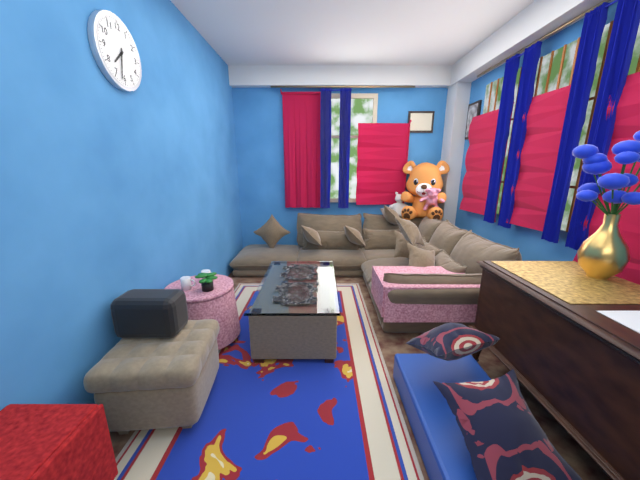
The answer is 7:32
